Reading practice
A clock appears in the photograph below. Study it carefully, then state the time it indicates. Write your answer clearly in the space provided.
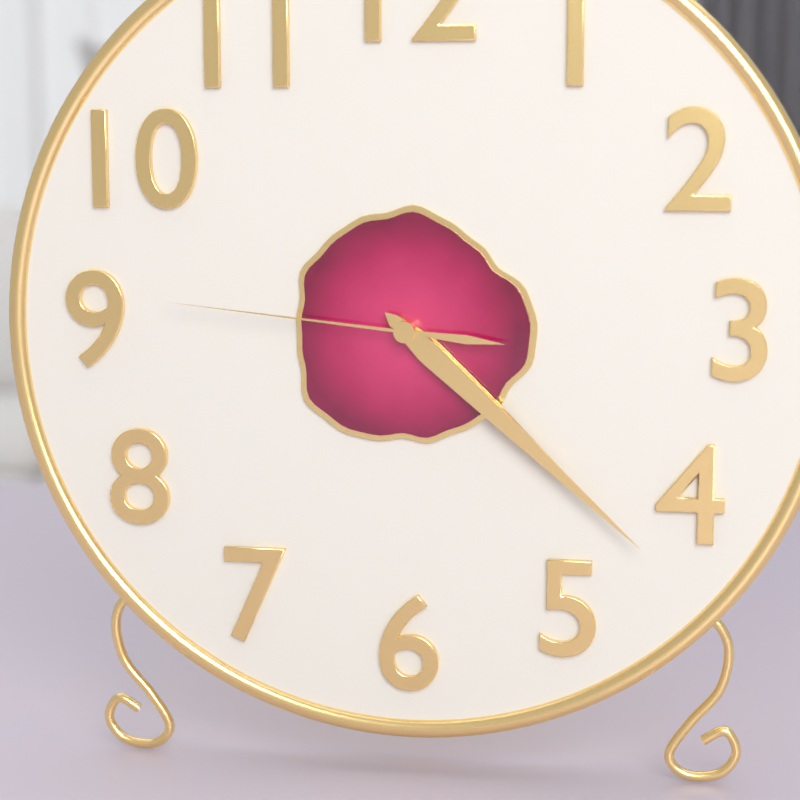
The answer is 4:22:46
